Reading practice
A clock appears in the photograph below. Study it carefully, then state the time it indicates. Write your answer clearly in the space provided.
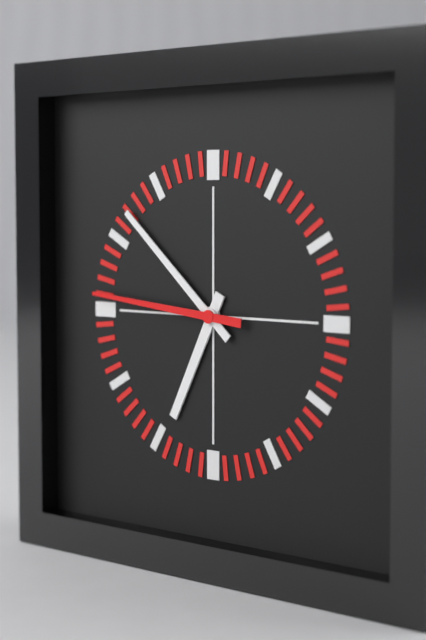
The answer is 6:52:46
